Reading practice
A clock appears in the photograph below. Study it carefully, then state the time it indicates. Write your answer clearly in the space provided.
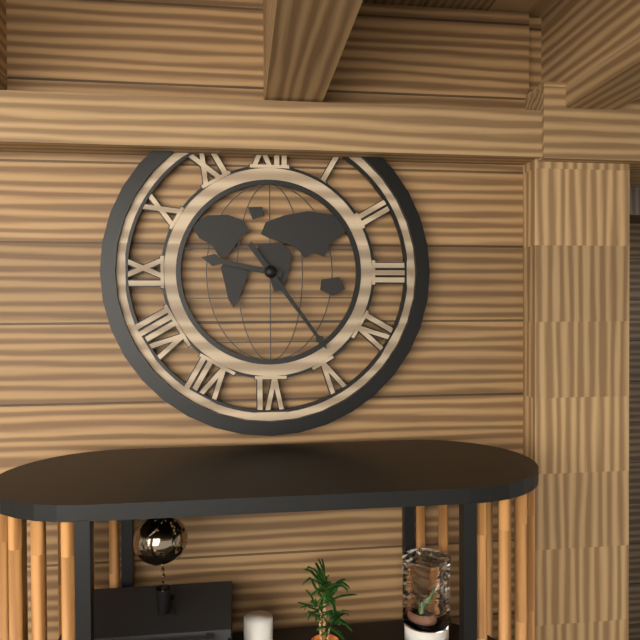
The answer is 9:24
